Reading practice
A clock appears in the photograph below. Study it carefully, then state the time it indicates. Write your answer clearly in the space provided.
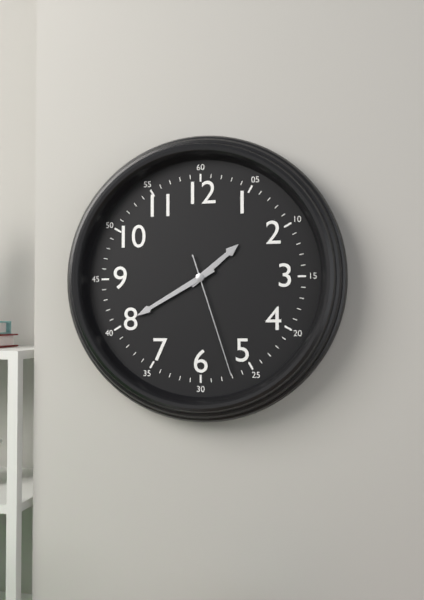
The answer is 1:40:27
